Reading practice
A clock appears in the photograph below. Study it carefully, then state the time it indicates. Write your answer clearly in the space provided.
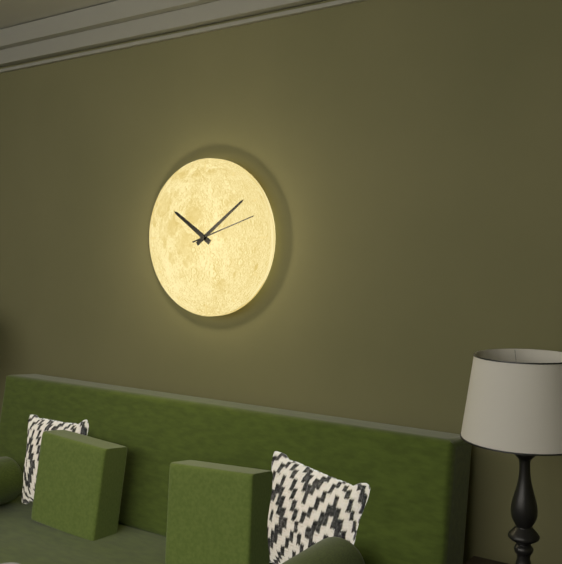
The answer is 10:09:12
